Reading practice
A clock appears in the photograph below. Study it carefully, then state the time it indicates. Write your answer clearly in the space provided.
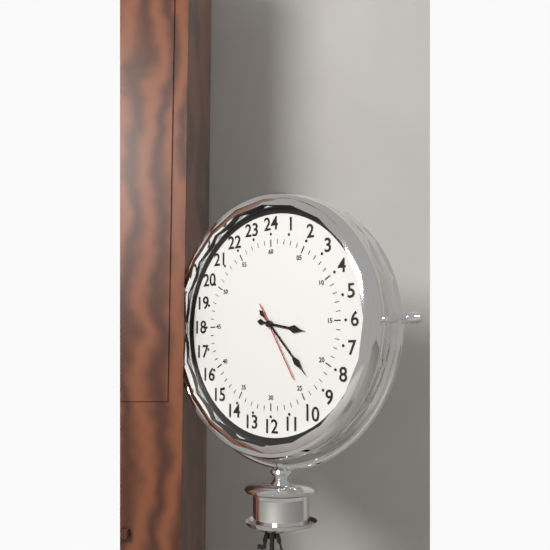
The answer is 3:23:25
